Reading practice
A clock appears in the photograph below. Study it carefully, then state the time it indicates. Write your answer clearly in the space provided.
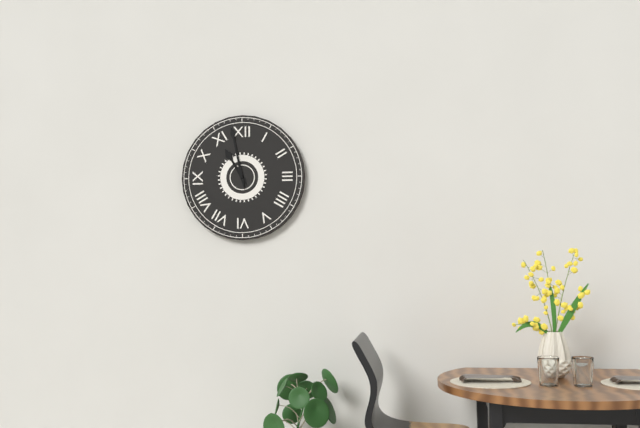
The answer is 10:58
